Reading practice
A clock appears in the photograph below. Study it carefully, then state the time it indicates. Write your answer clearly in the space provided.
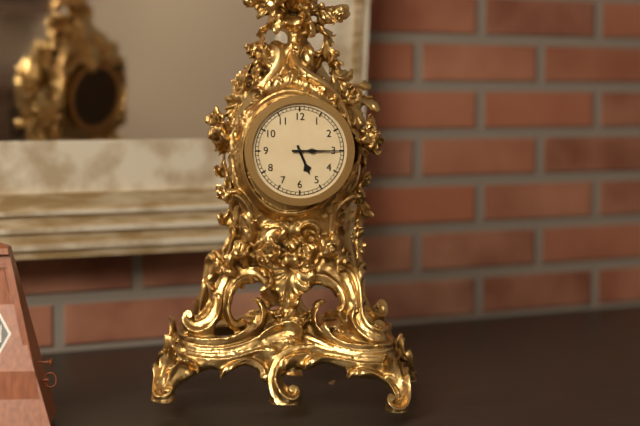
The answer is 5:15
